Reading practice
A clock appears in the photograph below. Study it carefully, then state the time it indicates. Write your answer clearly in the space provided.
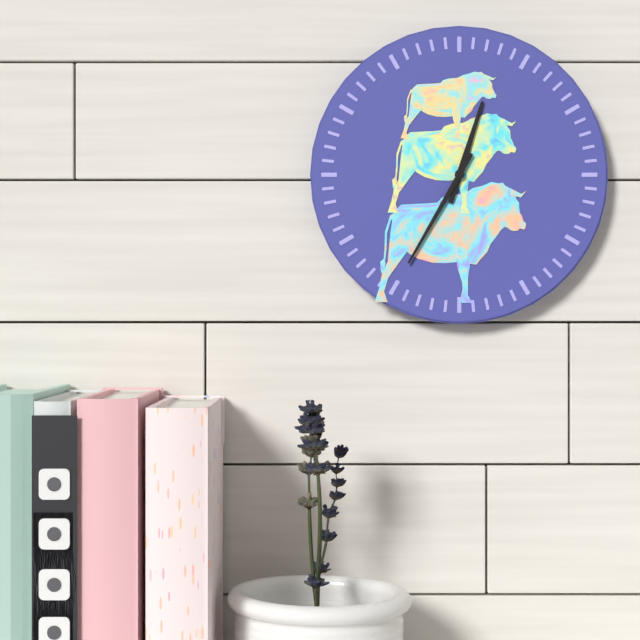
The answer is 12:35
